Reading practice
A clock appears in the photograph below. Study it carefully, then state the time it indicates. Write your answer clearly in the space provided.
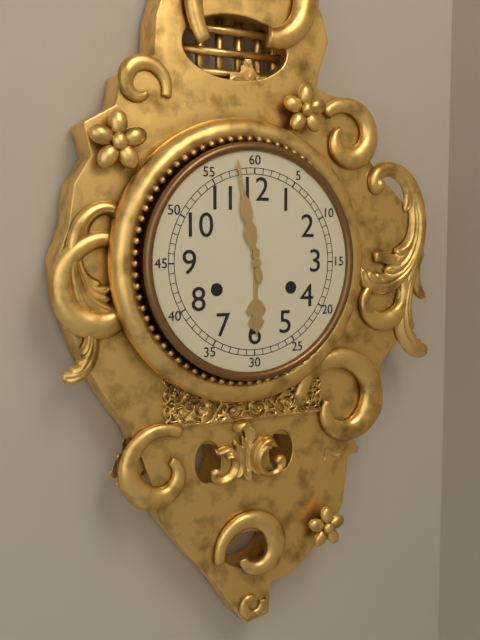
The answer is 5:58
